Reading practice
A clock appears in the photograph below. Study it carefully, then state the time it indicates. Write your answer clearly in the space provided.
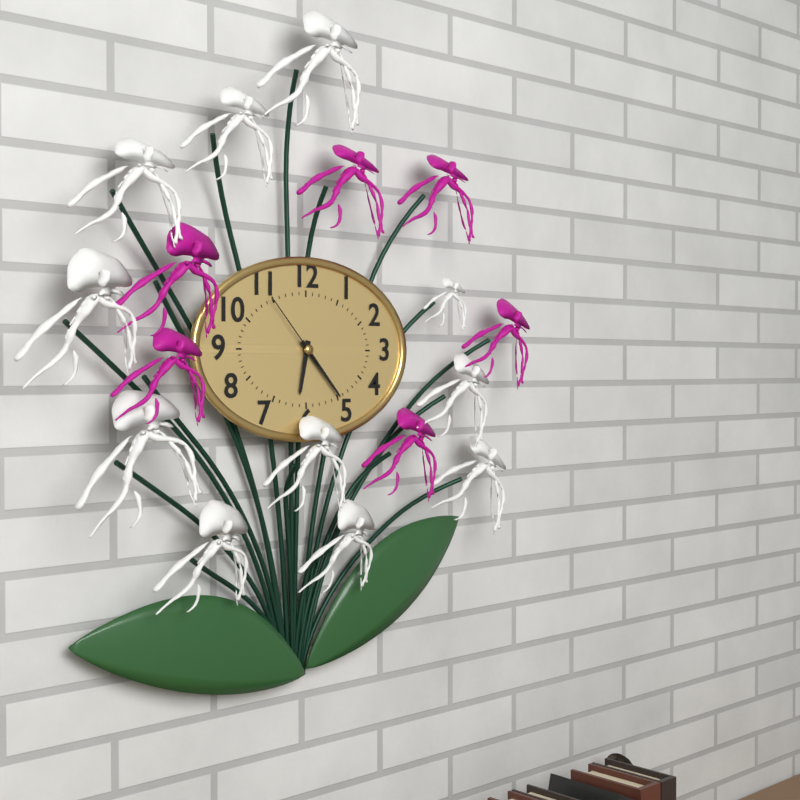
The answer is 6:23:53
